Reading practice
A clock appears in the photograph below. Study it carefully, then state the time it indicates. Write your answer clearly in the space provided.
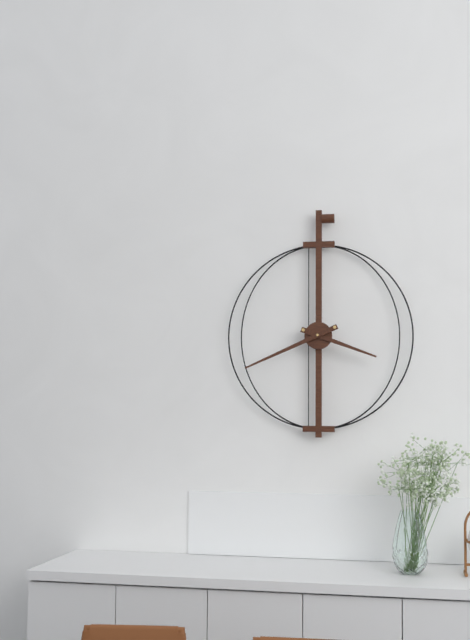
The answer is 3:41
